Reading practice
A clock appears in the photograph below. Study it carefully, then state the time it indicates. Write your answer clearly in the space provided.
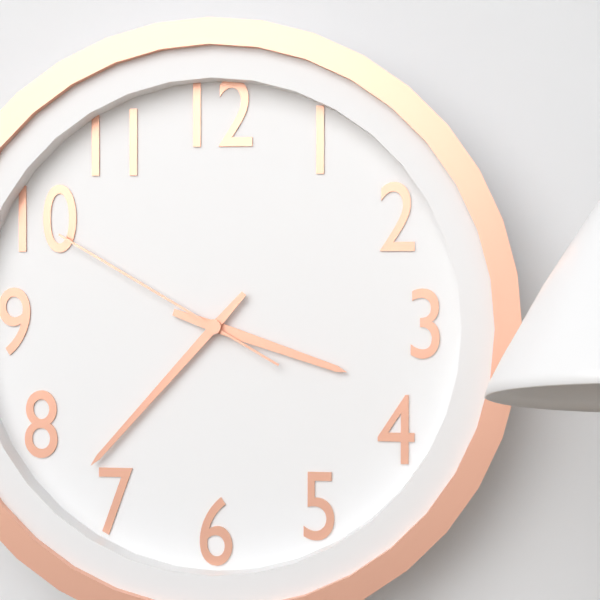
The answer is 3:37:50
